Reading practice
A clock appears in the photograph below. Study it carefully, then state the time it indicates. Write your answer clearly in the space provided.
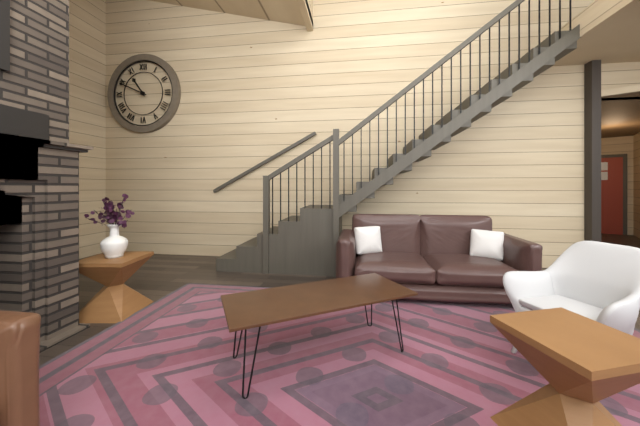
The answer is 10:49
